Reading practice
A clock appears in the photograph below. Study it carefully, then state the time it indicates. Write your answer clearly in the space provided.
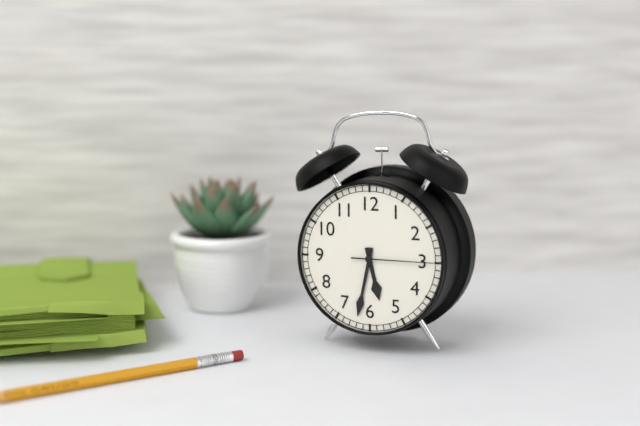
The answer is 5:32:15
